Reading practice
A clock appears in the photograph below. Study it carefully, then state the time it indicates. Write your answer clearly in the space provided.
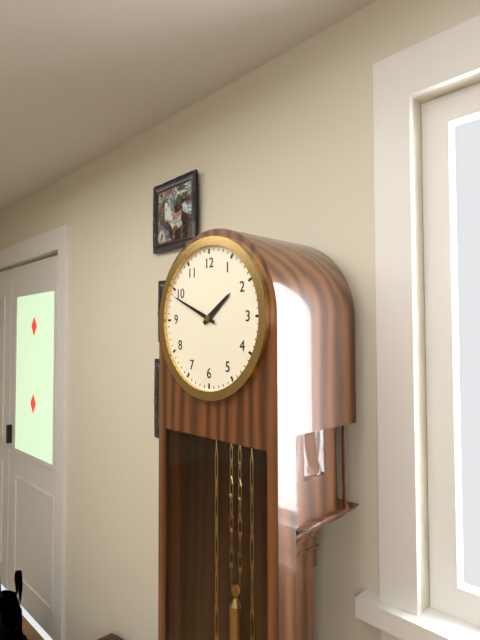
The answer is 1:49
